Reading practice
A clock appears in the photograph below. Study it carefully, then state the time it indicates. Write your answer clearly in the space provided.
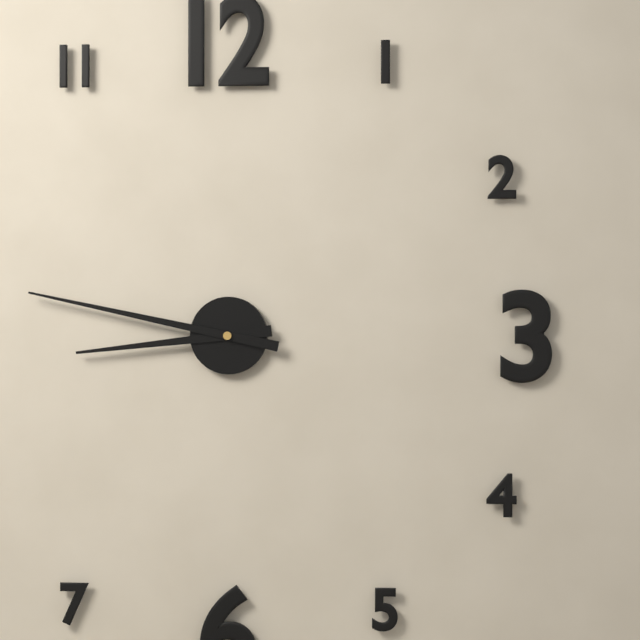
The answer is 8:47
